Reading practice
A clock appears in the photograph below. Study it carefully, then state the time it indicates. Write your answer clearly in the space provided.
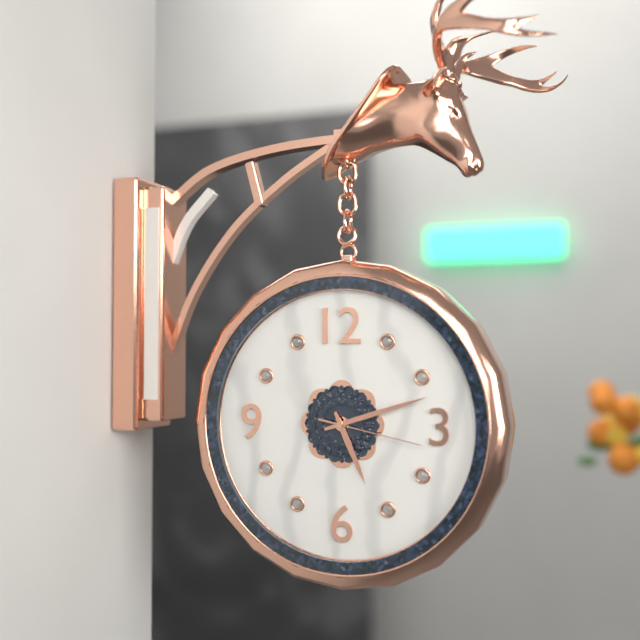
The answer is 5:12:17
